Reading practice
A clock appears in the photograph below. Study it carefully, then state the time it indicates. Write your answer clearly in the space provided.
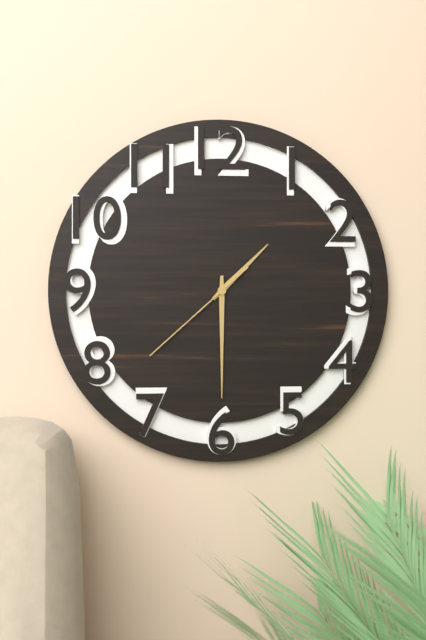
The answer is 1:30:38
